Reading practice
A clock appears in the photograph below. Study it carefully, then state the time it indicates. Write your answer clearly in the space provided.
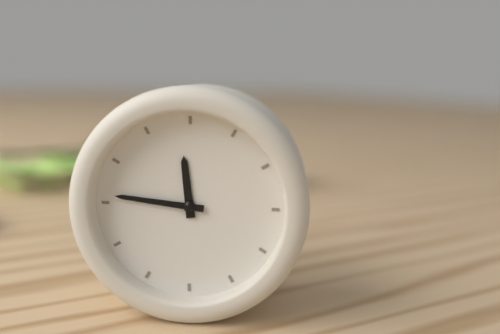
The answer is 11:46
